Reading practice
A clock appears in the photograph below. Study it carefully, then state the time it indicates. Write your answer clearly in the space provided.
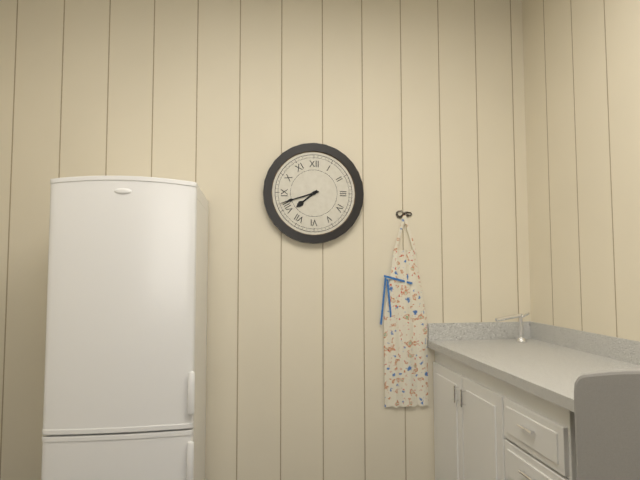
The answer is 7:42
